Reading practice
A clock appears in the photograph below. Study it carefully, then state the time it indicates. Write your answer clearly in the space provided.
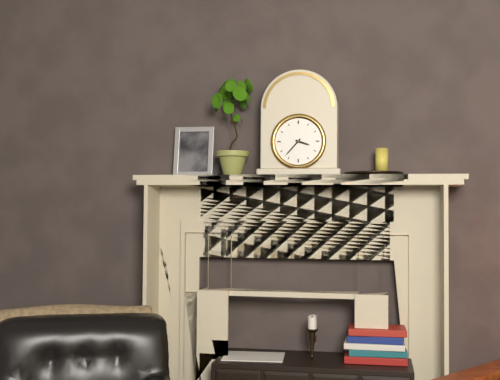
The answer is 3:37
